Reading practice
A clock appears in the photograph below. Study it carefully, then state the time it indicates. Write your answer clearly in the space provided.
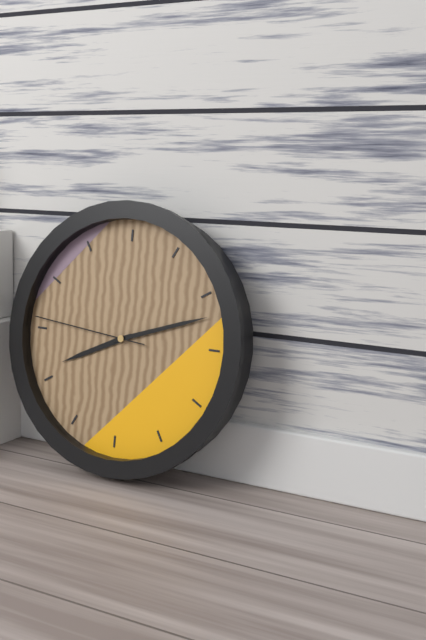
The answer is 8:12:46
